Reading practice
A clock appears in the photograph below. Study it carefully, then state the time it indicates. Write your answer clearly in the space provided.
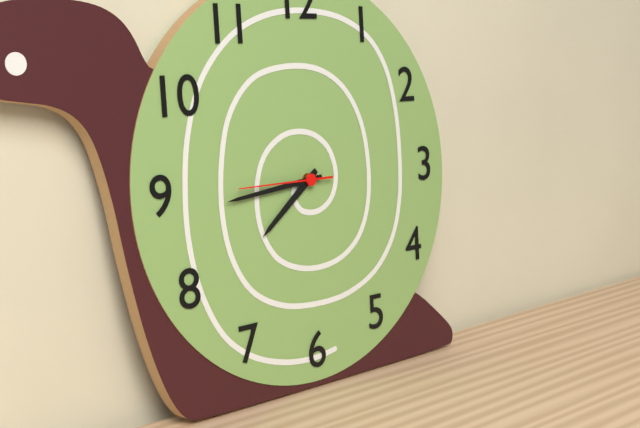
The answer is 7:44:45
